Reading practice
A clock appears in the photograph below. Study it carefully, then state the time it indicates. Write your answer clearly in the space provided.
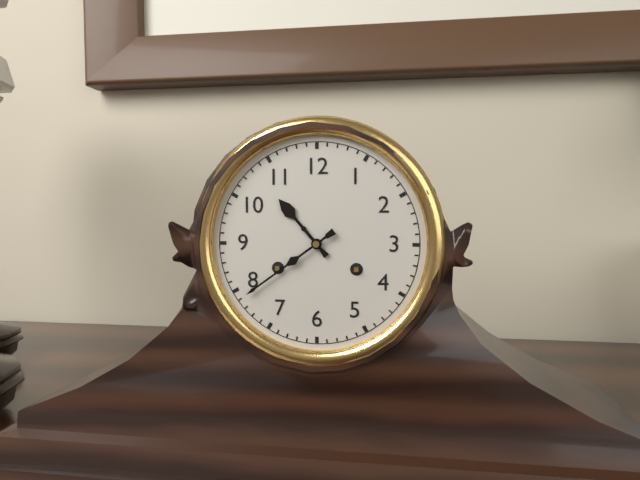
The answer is 10:39
